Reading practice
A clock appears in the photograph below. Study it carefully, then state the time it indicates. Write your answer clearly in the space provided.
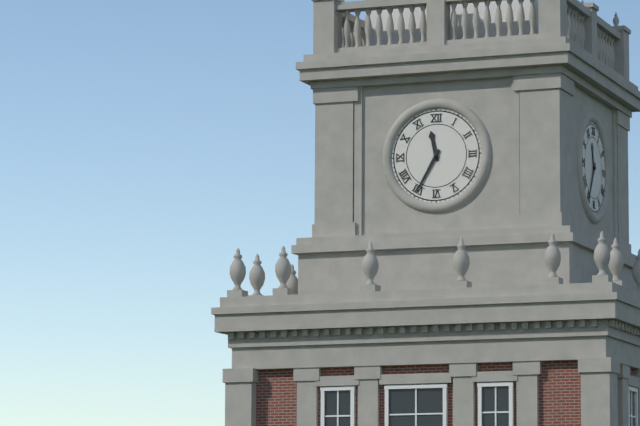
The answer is 11:35
